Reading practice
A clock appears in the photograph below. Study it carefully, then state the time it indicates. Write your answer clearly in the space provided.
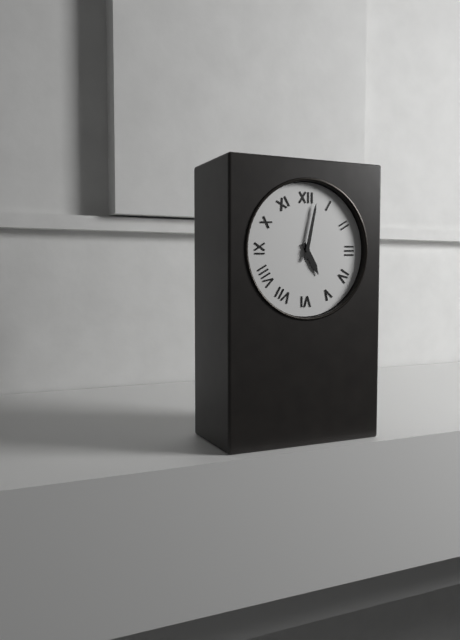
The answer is 5:02
